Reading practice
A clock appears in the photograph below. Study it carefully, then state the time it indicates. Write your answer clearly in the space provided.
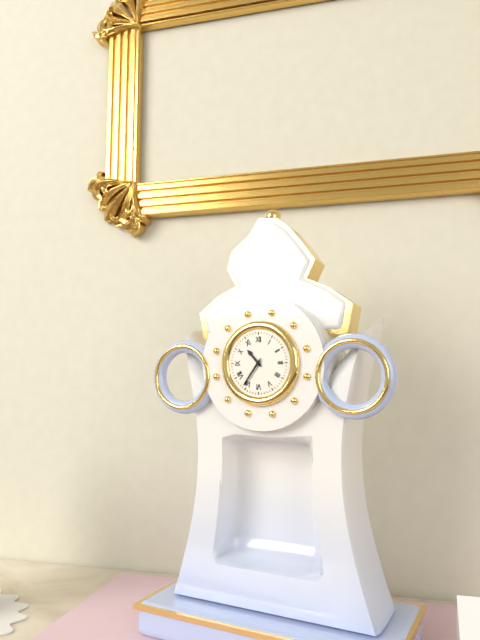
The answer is 10:36
